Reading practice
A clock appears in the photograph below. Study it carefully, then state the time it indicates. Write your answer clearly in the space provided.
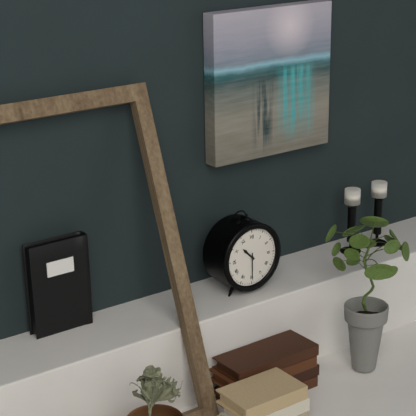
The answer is 10:30
